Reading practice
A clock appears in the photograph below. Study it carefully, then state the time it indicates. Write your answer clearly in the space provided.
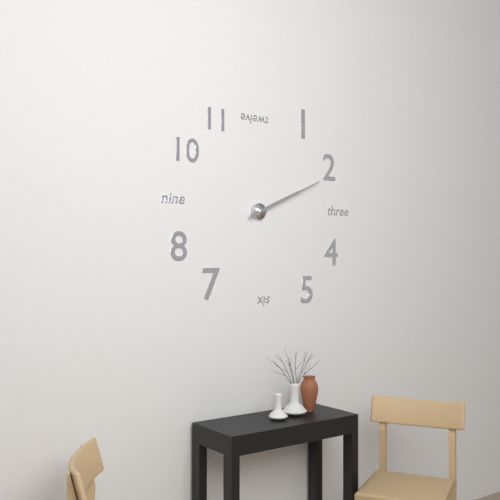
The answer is 2:11
